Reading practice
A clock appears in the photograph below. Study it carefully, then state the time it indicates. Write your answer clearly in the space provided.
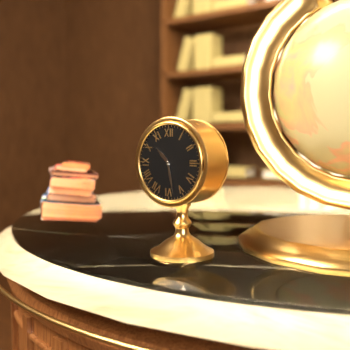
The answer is 10:28
